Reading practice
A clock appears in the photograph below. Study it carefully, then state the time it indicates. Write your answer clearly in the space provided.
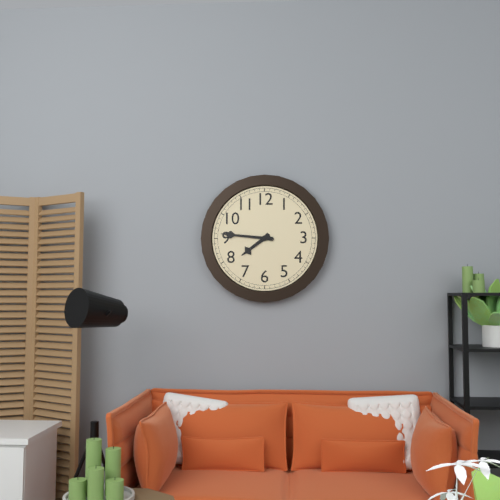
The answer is 7:46
